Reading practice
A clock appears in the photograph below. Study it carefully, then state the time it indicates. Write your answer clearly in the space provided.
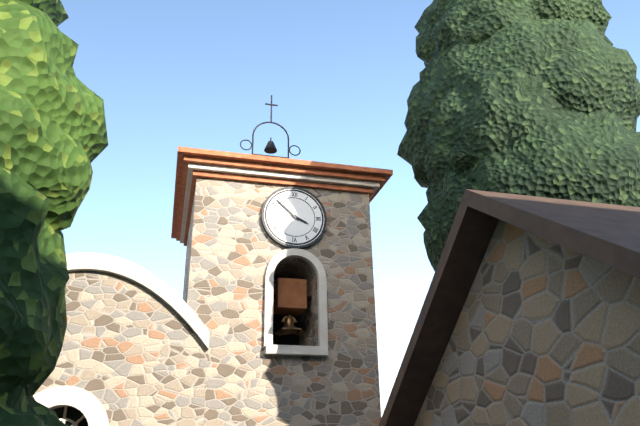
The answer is 3:52
